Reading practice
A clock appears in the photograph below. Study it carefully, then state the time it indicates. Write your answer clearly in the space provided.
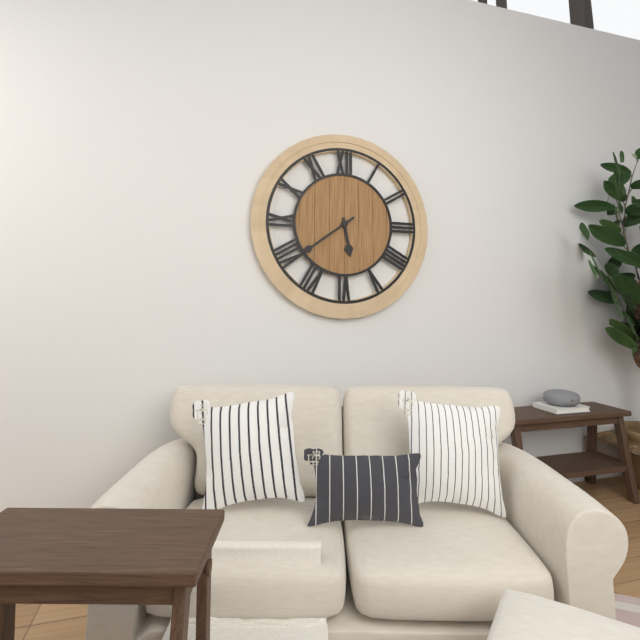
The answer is 5:39
